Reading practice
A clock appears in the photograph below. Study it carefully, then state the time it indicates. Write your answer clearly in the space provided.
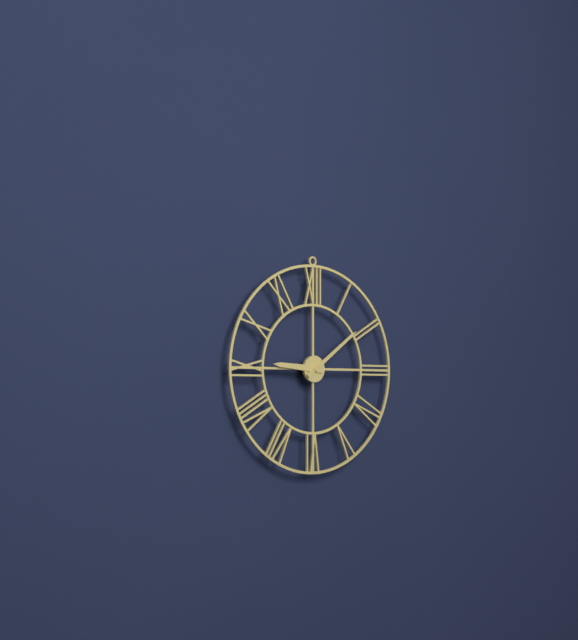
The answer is 9:09
